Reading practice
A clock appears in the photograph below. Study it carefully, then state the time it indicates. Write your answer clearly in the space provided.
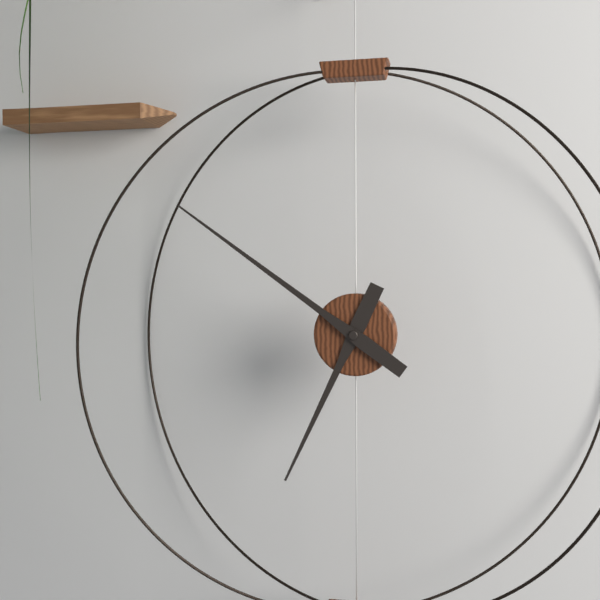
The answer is 6:51
